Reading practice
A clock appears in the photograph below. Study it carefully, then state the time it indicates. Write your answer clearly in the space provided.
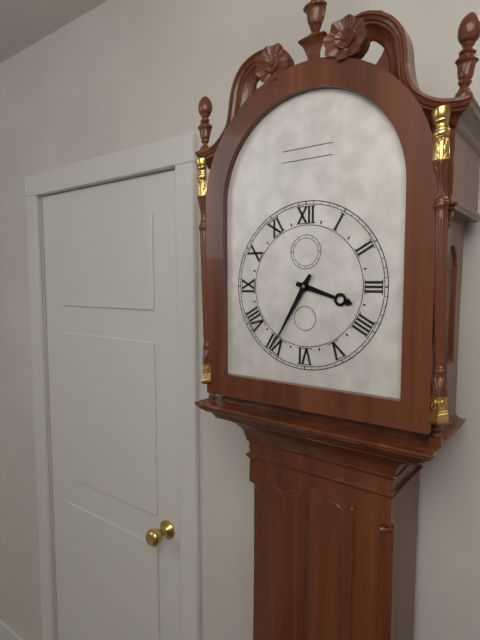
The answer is 3:35
